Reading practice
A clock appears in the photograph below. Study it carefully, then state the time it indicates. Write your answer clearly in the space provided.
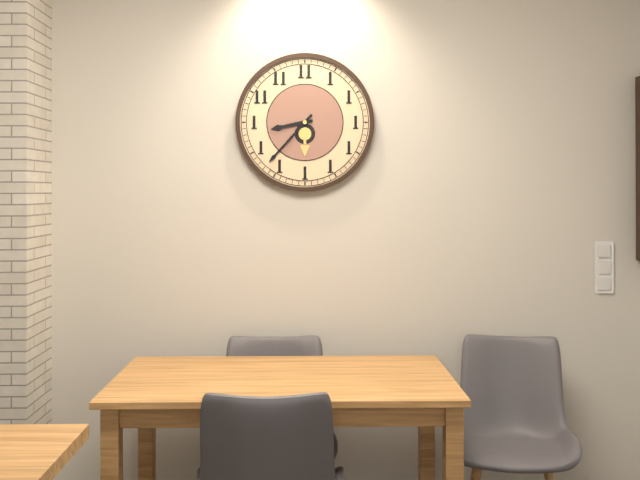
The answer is 8:37
